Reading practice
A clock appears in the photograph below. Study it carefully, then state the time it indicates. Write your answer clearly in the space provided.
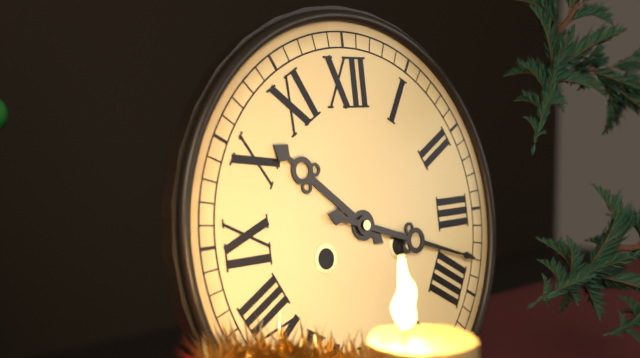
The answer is 10:18
